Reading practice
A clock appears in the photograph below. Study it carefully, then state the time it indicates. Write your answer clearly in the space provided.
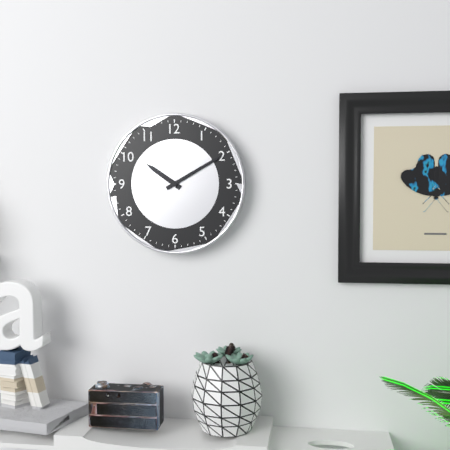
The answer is 10:10
